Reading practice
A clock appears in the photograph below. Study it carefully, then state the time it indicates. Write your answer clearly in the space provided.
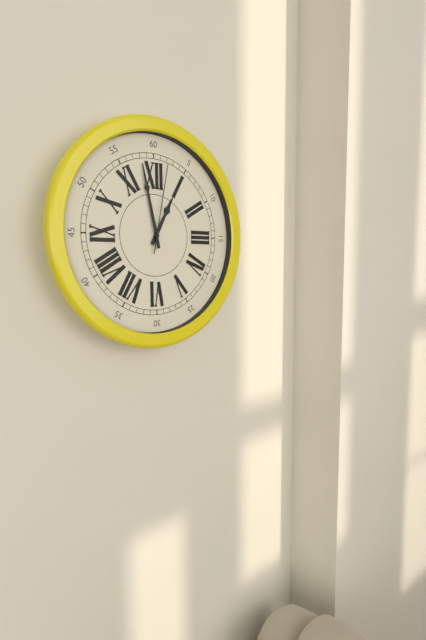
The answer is 12:58:02
